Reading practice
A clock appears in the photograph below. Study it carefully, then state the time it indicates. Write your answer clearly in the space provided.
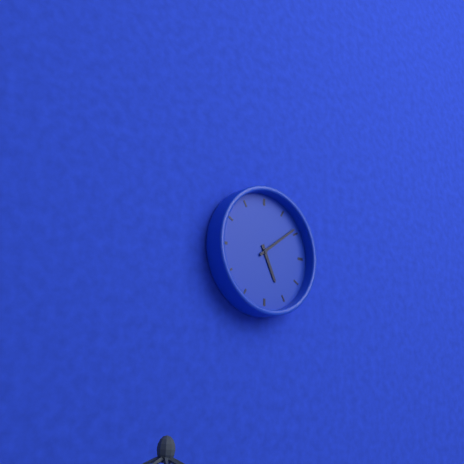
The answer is 5:09
